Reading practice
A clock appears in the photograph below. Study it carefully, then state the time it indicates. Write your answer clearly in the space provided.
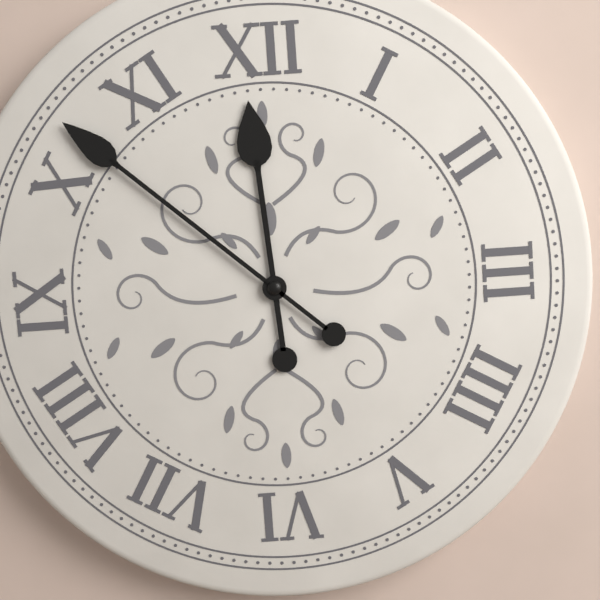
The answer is 11:52
